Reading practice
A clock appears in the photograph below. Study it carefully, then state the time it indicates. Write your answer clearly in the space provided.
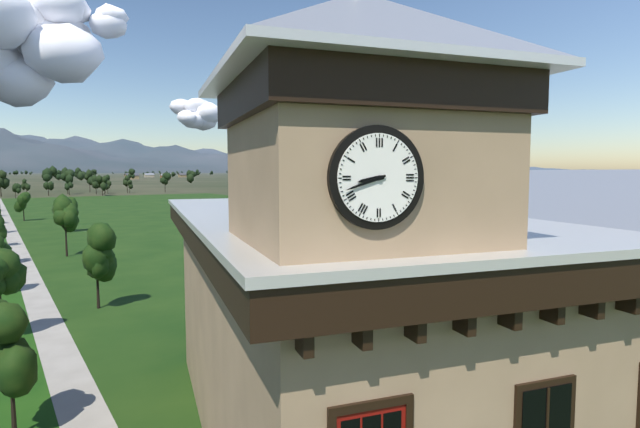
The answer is 8:42
